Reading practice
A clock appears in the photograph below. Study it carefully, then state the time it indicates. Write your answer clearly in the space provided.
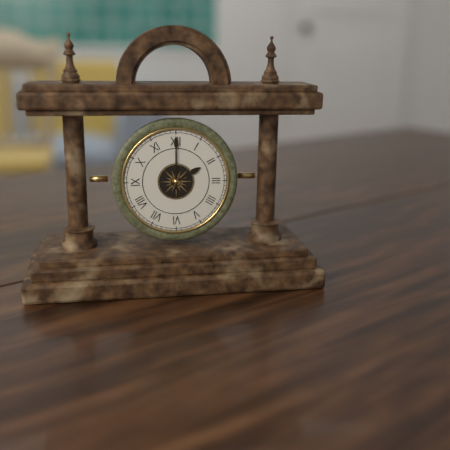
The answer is 2:00
